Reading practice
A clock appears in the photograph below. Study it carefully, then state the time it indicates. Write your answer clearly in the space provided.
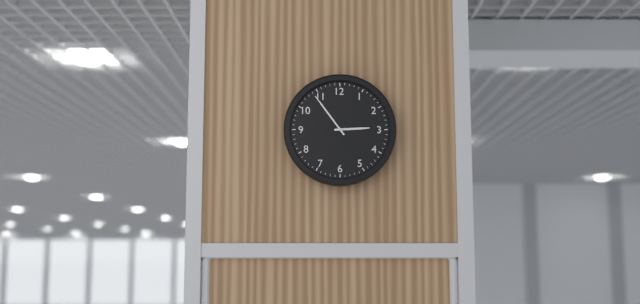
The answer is 2:54
